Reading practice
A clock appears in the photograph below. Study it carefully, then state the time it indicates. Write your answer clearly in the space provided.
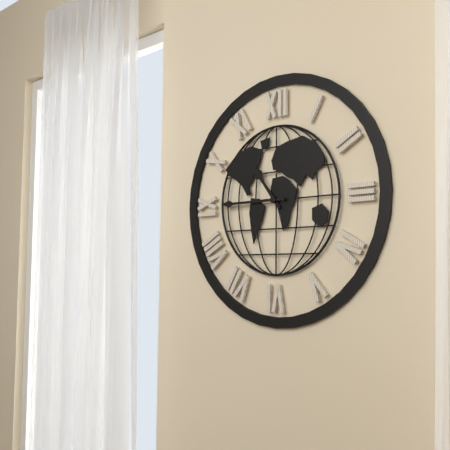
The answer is 10:45
